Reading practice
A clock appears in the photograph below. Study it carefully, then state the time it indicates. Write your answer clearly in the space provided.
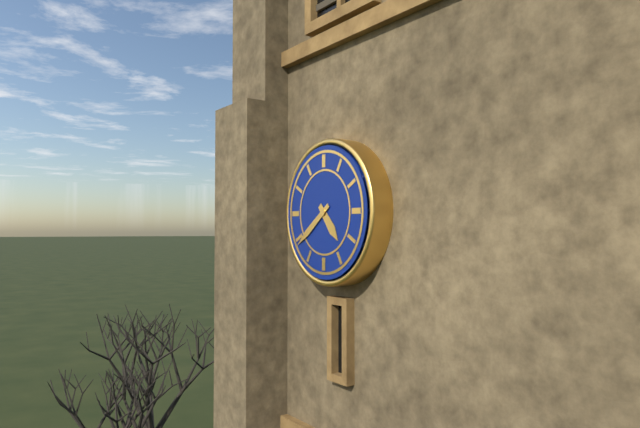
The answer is 4:39
